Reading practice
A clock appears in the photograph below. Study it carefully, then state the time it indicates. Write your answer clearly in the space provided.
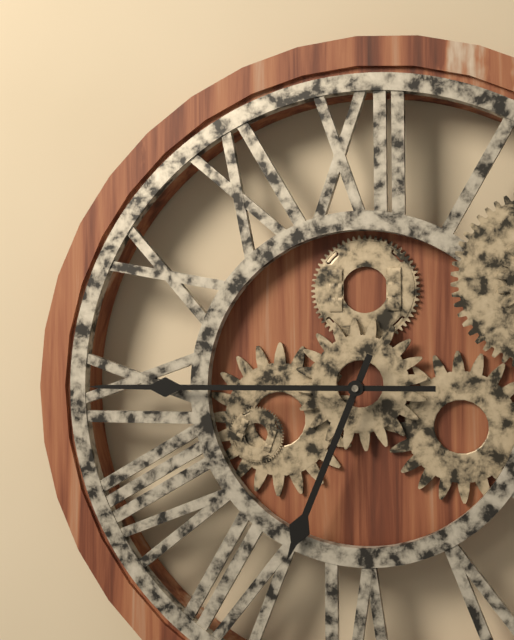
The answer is 6:45
